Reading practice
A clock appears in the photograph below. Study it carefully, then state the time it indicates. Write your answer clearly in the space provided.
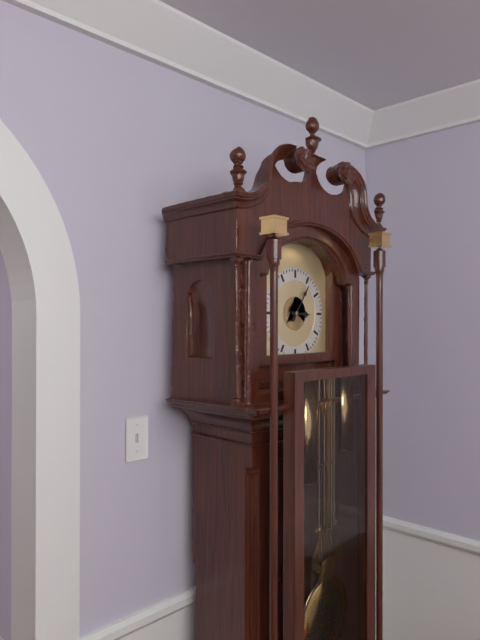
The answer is 3:06
